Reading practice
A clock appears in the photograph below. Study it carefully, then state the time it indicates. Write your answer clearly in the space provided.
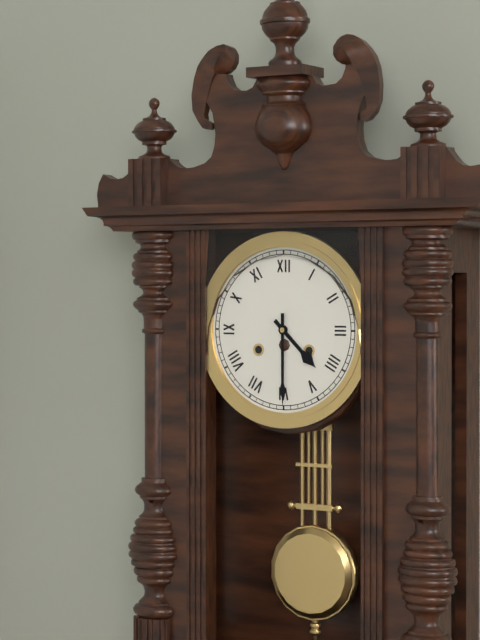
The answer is 4:30
